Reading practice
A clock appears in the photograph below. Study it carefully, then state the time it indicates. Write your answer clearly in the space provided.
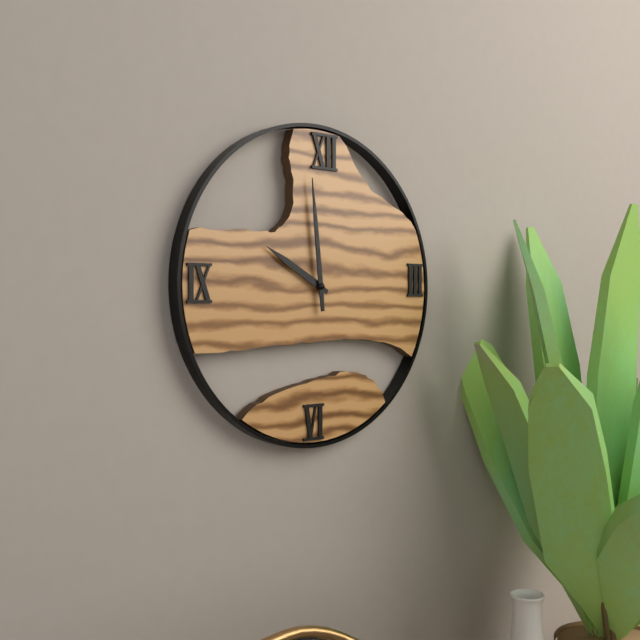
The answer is 9:59
